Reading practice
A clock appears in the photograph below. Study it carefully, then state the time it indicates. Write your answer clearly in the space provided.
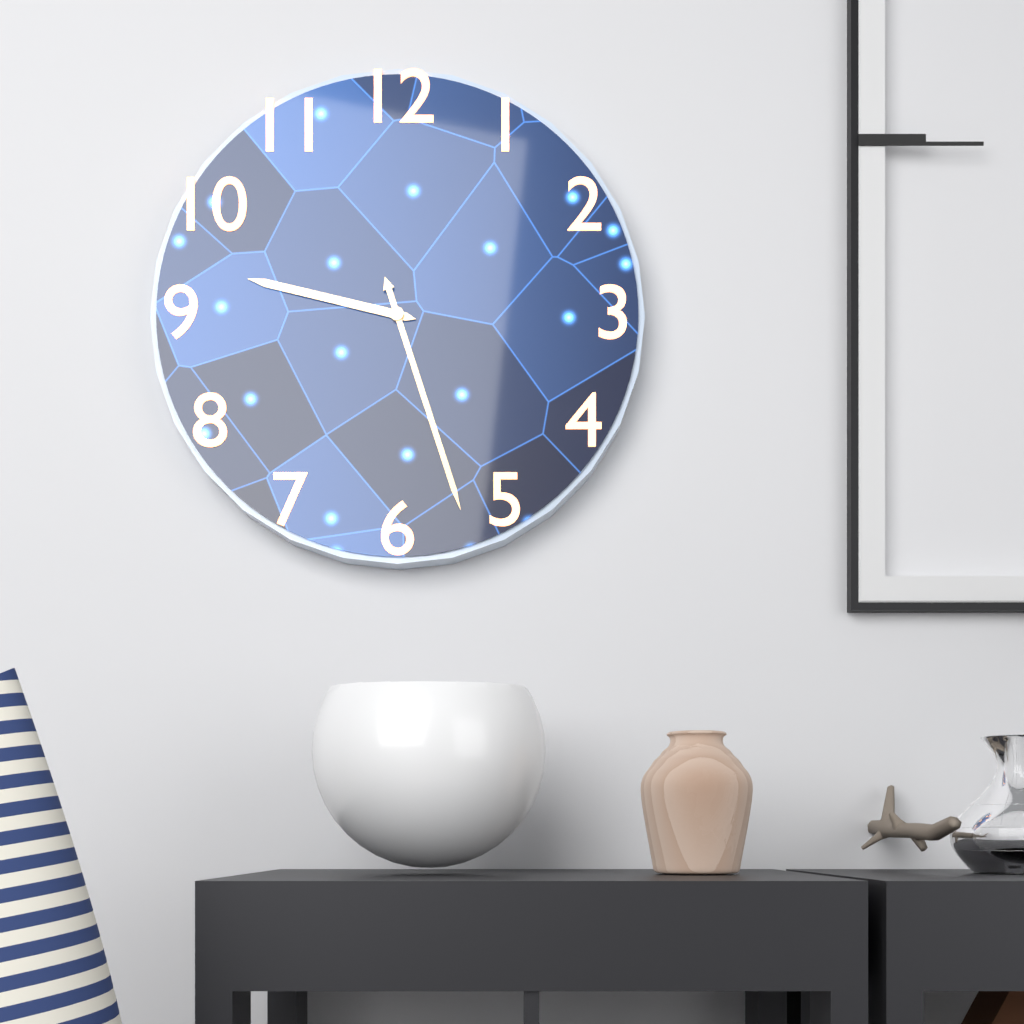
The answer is 9:27
